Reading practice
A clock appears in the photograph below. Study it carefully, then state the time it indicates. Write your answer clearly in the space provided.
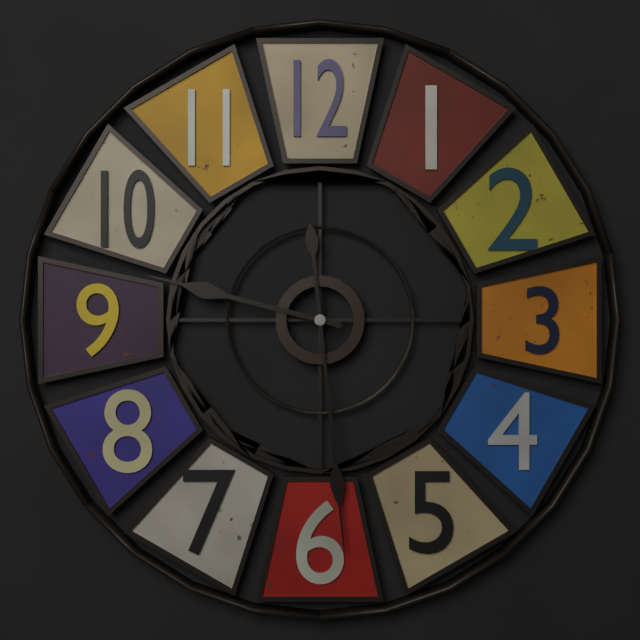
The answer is 9:29
